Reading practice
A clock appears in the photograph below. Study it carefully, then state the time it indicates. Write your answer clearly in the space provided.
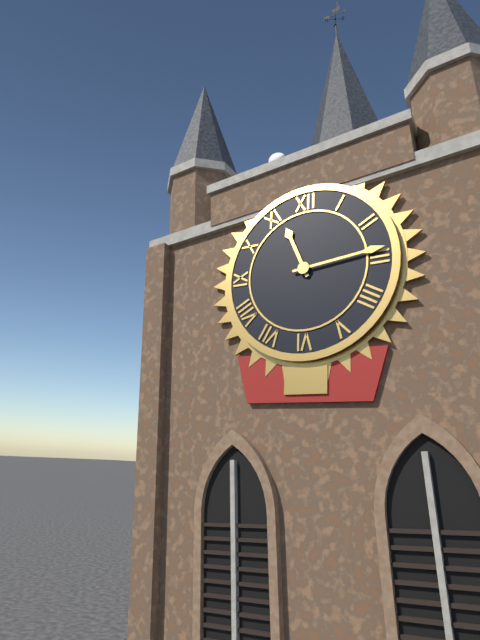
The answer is 11:14
